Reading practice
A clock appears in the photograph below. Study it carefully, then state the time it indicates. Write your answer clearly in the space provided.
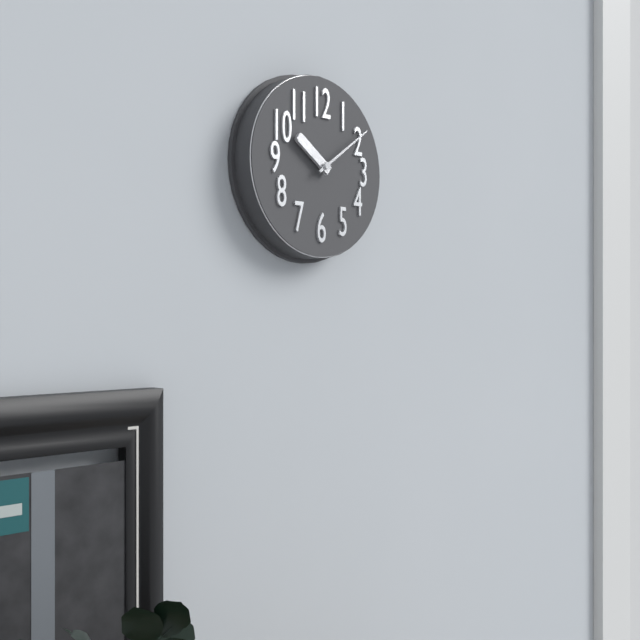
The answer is 10:09
